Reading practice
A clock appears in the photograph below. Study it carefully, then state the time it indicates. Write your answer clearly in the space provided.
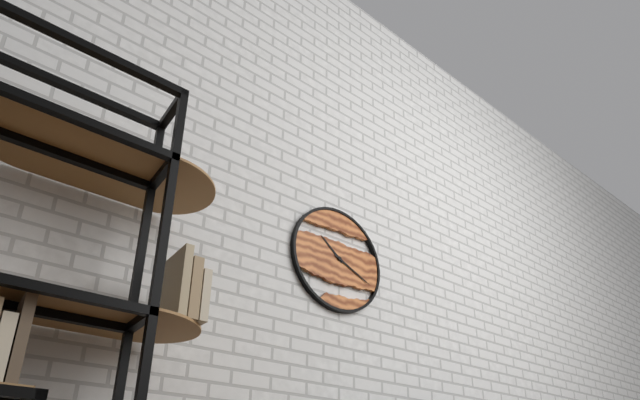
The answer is 10:19
